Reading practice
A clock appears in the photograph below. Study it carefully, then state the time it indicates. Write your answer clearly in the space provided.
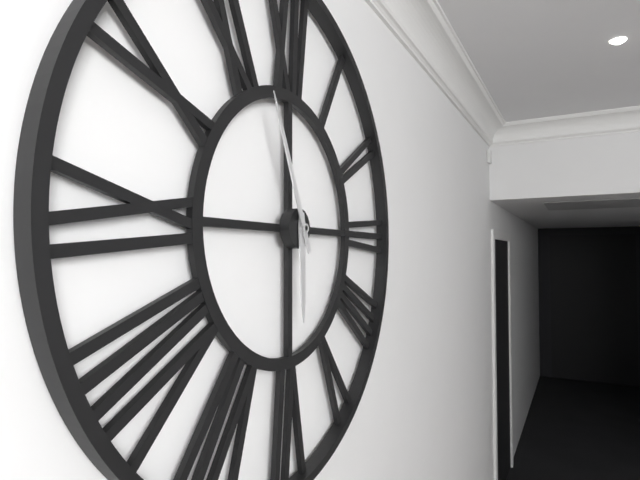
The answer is 5:56
